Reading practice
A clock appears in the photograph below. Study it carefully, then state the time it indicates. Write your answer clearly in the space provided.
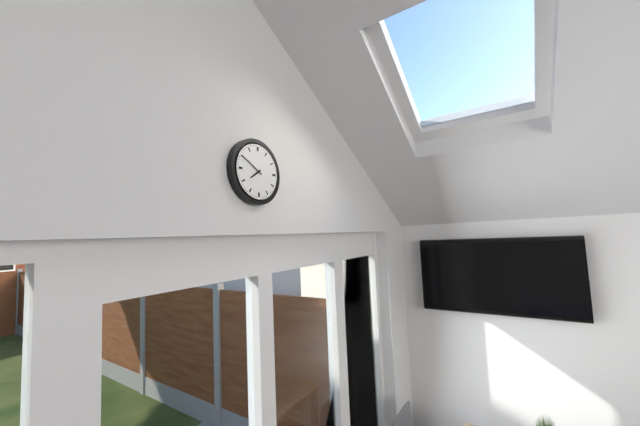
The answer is 7:50
